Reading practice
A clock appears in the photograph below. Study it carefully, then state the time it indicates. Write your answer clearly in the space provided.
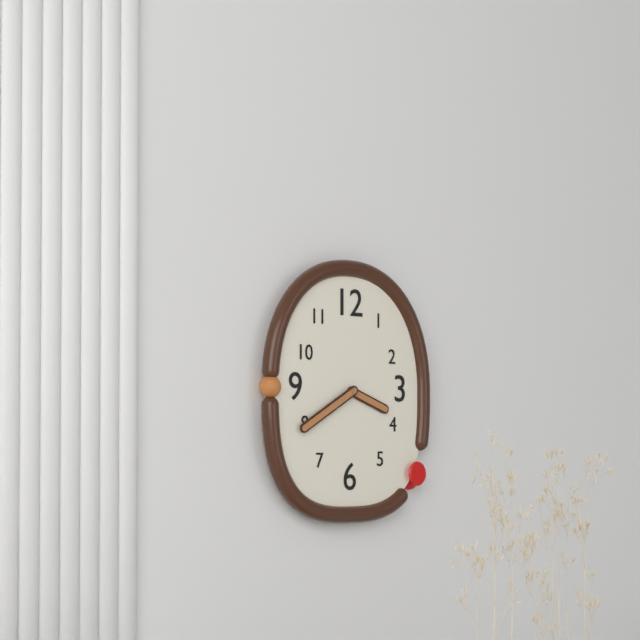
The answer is 3:40
